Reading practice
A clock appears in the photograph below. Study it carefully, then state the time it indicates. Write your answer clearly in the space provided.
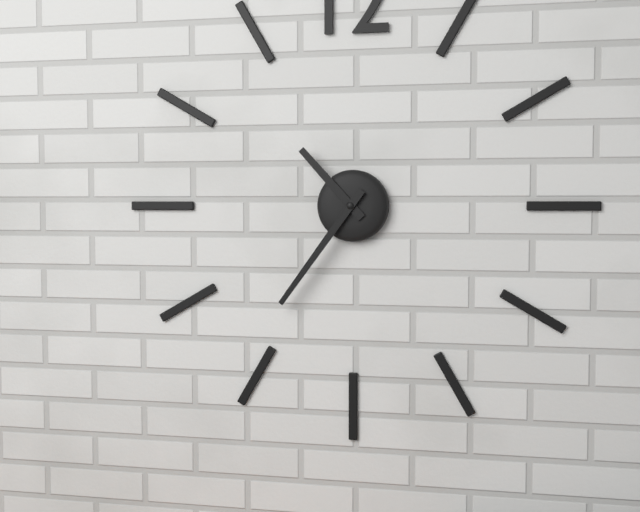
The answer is 10:36
